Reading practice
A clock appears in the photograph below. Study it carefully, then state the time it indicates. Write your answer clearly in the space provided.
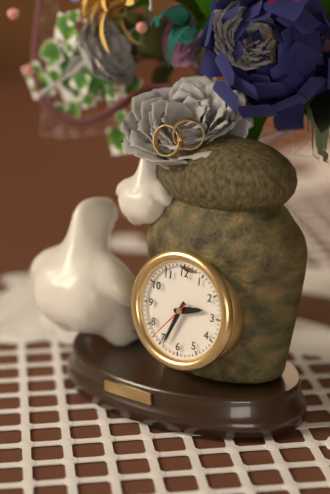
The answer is 2:34
